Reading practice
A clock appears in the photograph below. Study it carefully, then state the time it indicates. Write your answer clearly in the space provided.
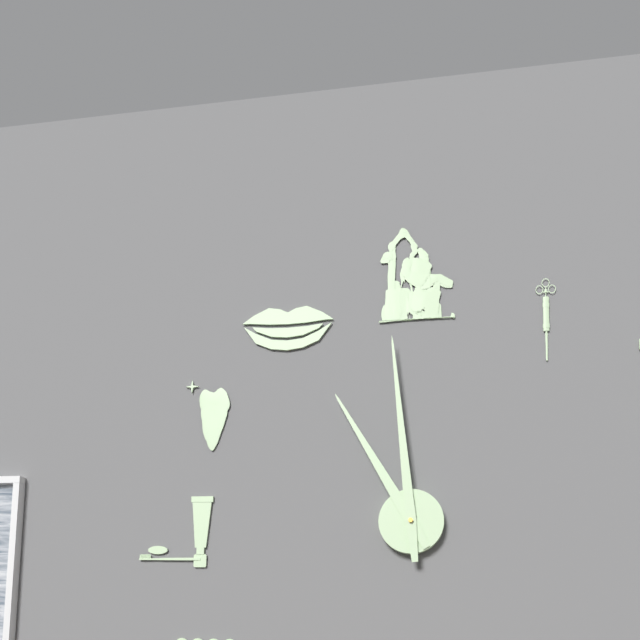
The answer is 10:59
